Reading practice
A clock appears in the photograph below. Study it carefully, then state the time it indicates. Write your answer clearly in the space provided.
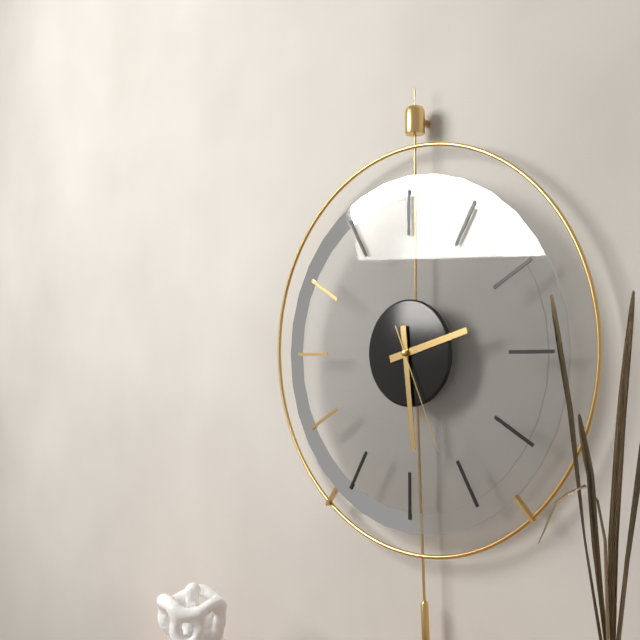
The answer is 2:29:26
